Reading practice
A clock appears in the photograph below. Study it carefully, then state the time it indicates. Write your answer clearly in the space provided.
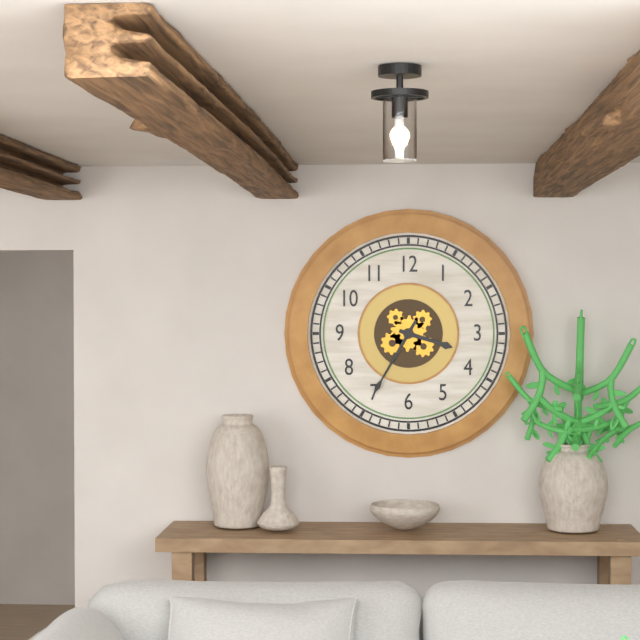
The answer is 3:35
